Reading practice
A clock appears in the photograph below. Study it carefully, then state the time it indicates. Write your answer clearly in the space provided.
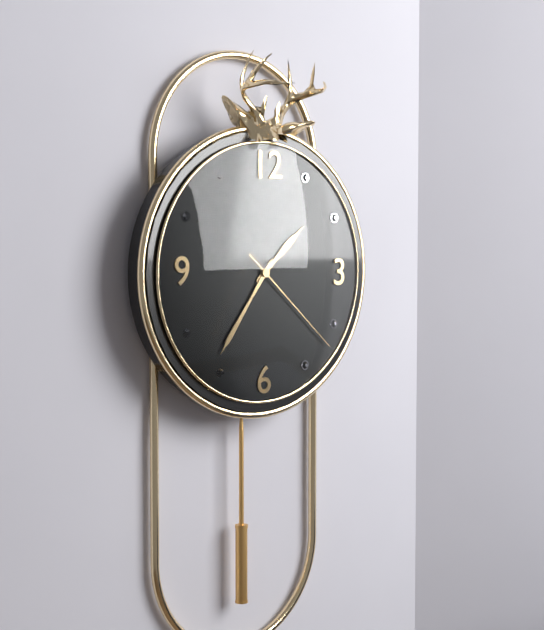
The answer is 1:36:22
